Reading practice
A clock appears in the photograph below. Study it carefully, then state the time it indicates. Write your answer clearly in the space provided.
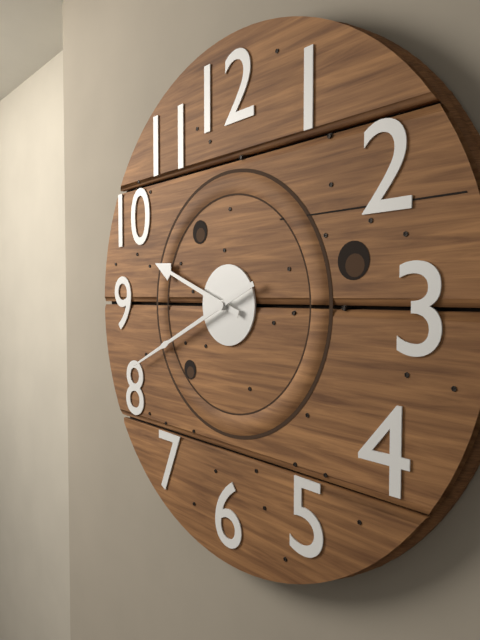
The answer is 9:41
